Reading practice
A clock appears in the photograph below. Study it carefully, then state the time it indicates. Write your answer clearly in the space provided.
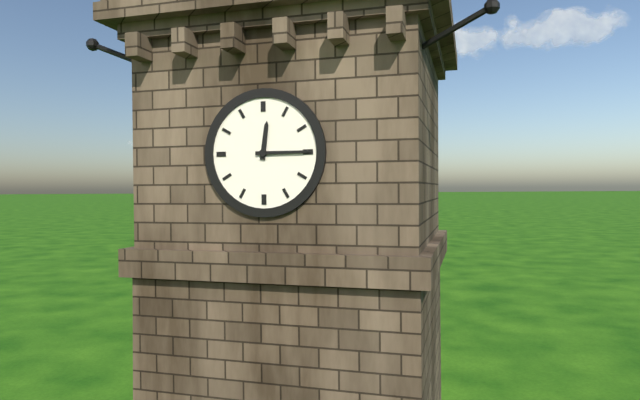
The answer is 12:15
